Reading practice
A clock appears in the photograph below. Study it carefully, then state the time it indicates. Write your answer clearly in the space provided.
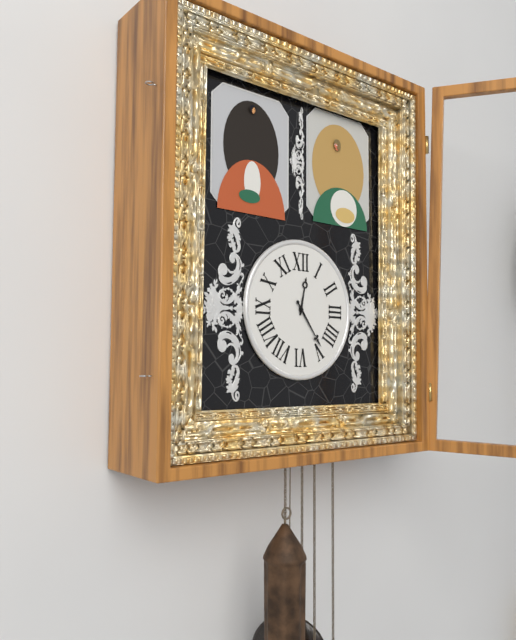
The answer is 12:24
